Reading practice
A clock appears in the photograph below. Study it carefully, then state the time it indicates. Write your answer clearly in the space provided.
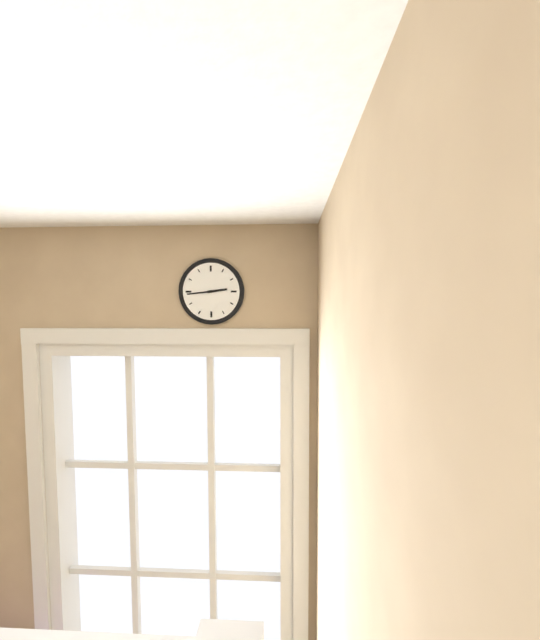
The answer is 2:44
